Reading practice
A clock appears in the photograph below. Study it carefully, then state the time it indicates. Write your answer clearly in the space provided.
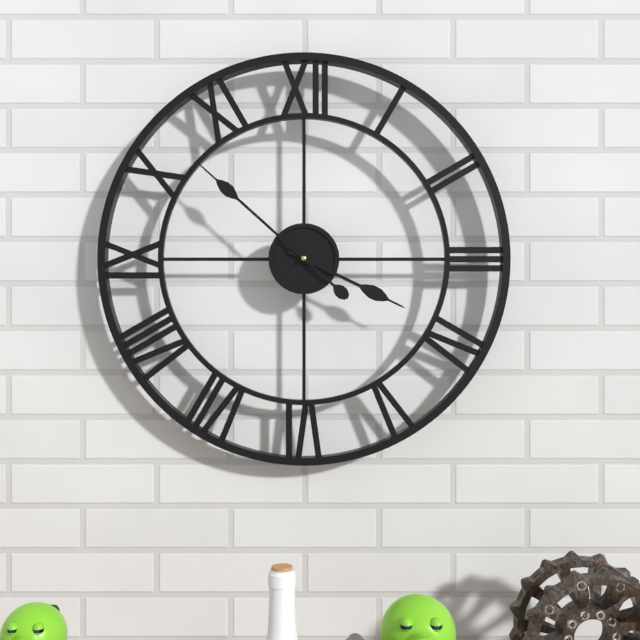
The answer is 3:52
